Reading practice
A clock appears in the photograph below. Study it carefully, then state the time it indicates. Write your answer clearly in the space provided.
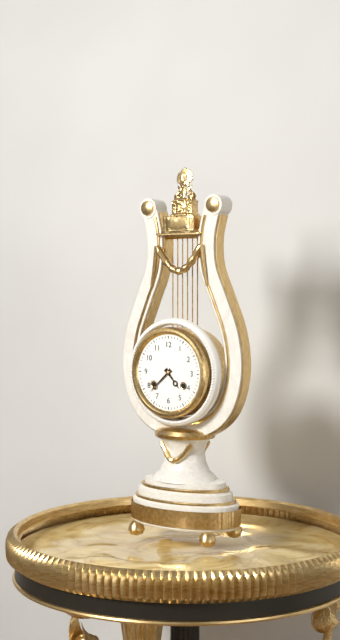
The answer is 4:38
